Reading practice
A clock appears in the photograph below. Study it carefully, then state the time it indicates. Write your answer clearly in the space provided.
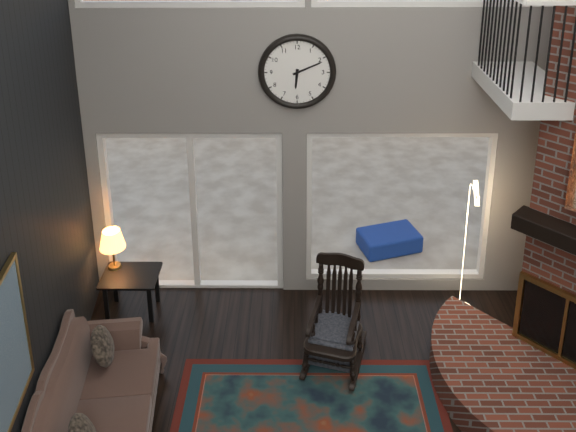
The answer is 6:11
